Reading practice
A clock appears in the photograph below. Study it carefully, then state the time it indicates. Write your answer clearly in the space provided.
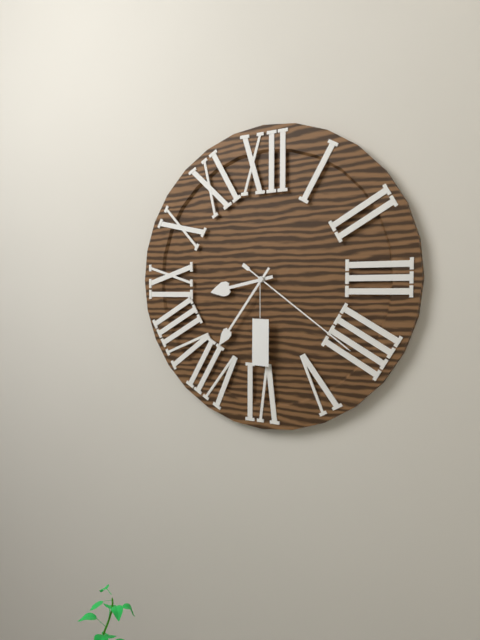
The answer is 8:36:21
